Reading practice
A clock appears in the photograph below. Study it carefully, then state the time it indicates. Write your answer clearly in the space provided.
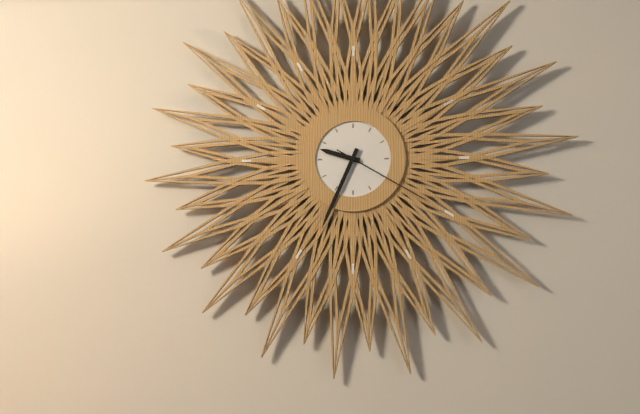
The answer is 9:34:20
